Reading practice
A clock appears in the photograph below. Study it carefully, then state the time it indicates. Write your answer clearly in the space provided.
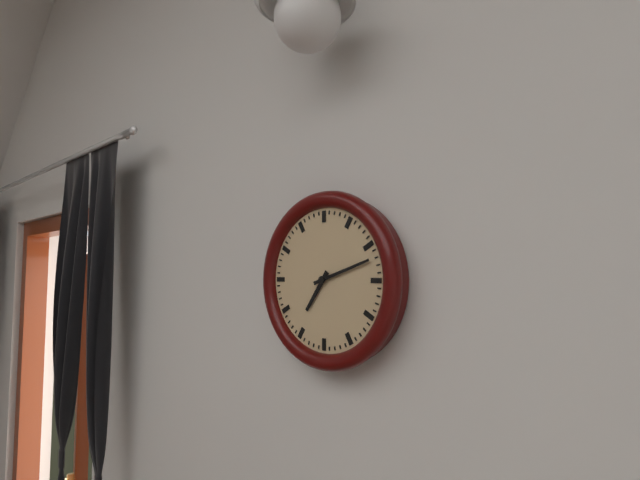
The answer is 7:12
